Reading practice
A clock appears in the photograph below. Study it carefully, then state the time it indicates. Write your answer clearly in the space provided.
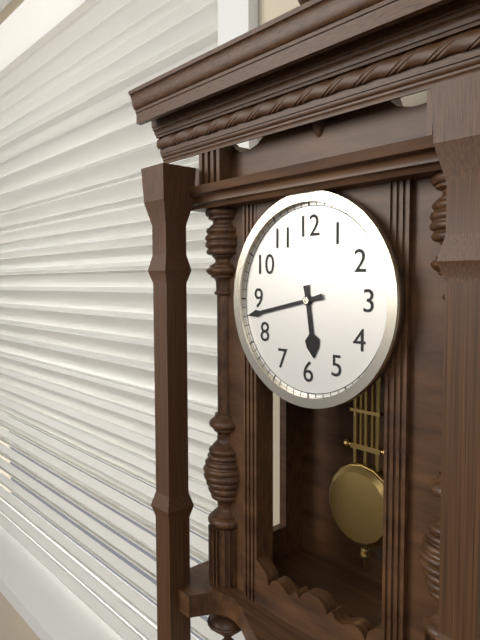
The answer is 5:43
